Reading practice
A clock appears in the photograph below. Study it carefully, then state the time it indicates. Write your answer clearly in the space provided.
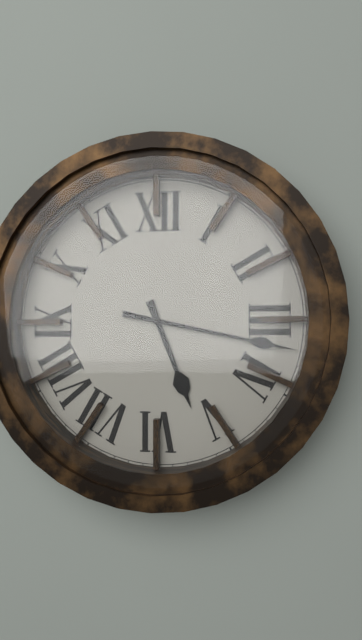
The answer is 5:17
